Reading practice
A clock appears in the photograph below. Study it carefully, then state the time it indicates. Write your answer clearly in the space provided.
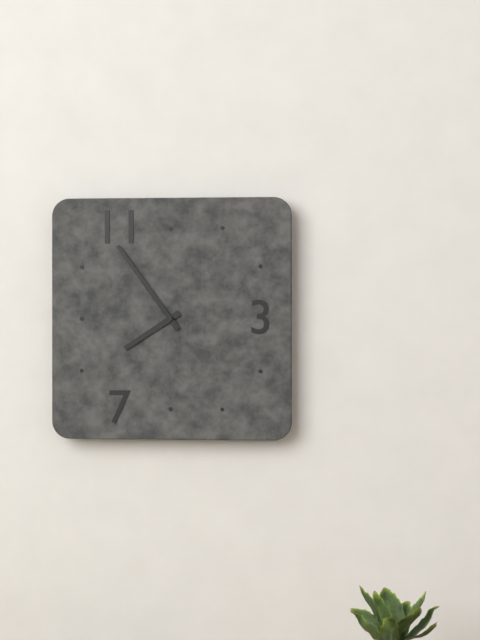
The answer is 7:54
